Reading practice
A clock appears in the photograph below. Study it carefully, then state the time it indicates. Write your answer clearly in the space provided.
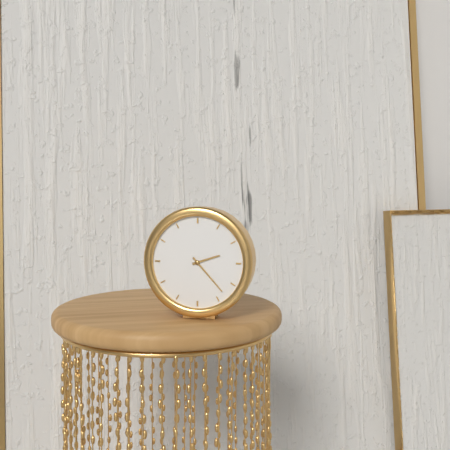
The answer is 2:23
